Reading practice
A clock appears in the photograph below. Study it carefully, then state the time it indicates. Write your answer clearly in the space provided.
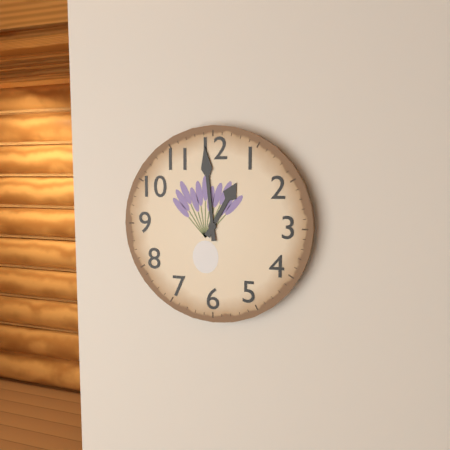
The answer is 12:59
